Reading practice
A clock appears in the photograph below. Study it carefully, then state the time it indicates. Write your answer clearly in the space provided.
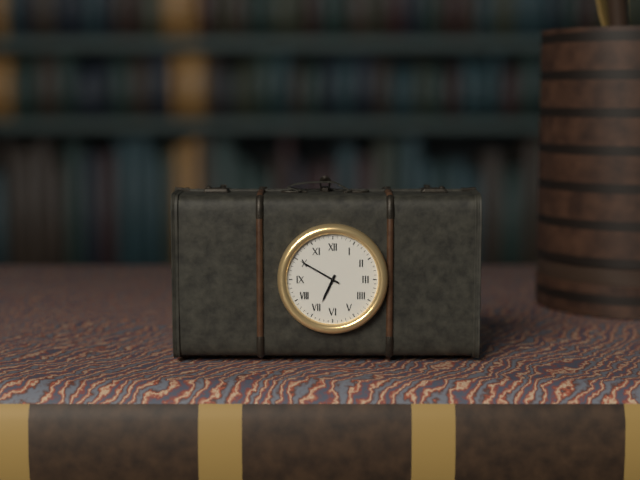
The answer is 6:50
